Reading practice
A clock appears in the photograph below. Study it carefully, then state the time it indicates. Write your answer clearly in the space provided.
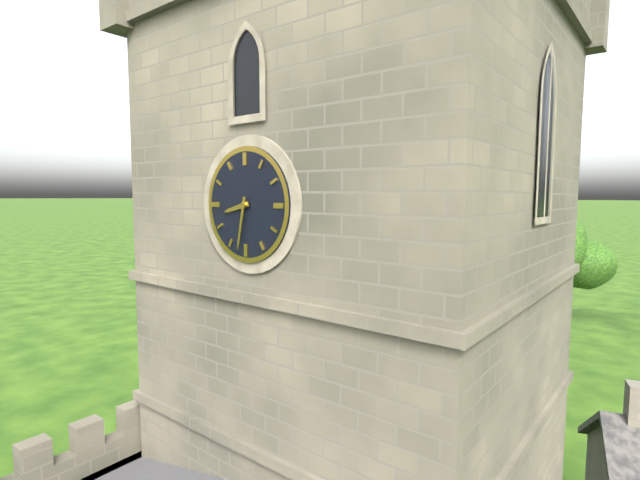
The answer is 8:32
